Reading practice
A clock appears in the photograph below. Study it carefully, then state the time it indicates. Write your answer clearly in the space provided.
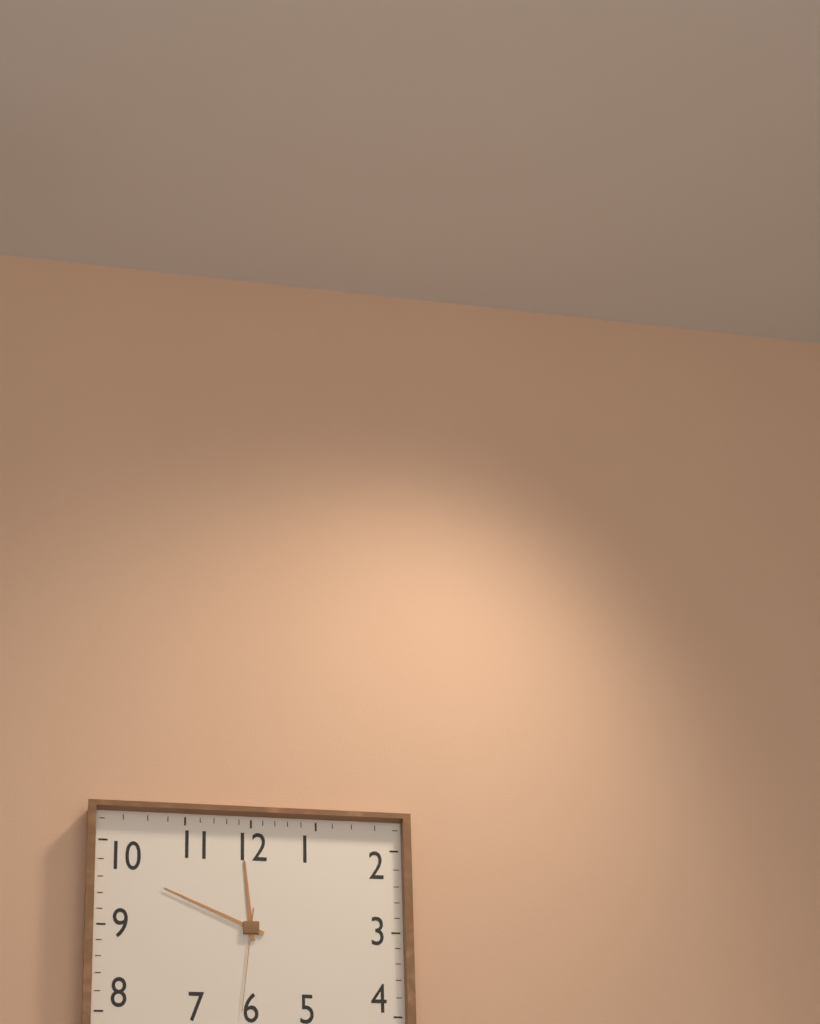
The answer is 11:49:31
